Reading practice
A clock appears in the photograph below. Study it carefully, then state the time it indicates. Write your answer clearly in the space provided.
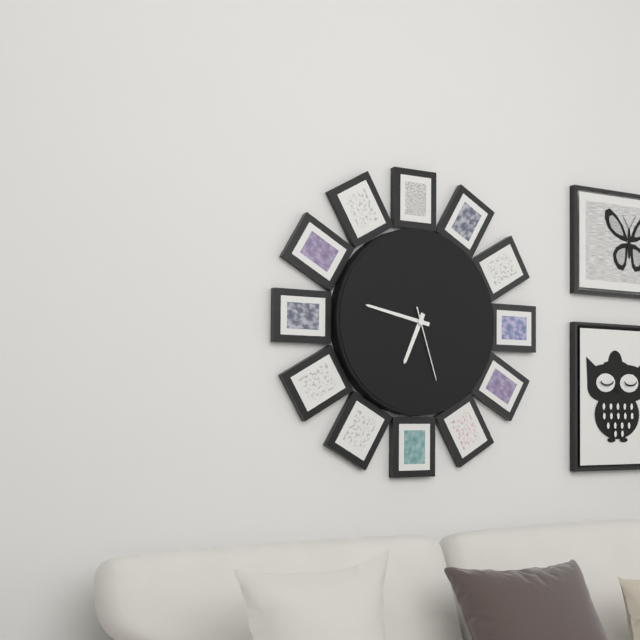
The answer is 6:47:27
